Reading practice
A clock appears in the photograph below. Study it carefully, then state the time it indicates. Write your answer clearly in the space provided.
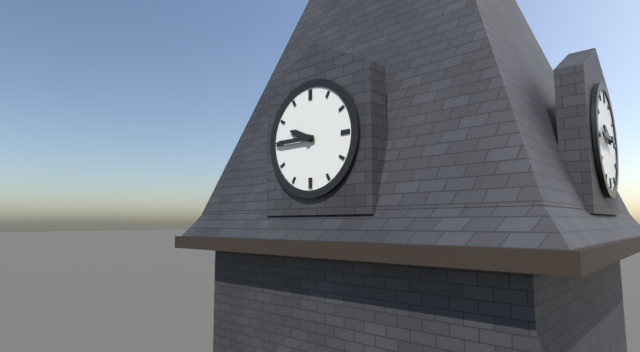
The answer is 9:45
